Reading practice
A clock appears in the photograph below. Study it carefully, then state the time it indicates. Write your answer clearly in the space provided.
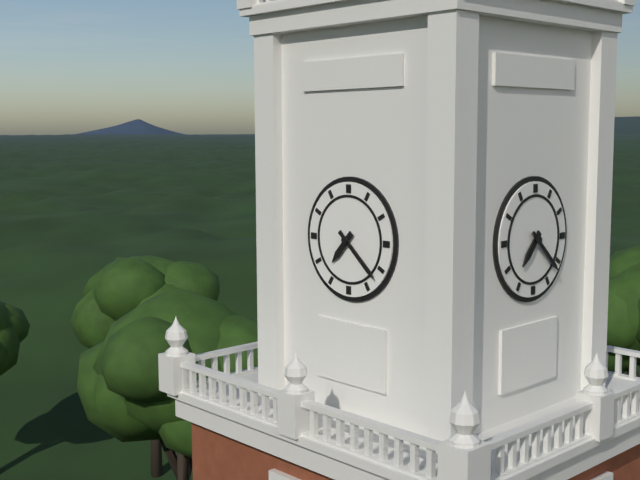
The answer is 7:22
